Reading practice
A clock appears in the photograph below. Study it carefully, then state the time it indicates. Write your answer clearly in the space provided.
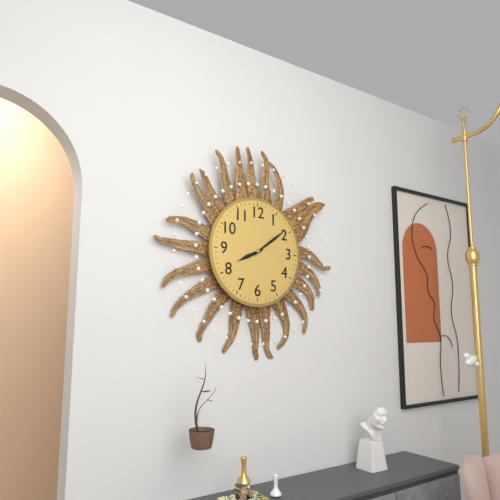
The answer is 8:09
